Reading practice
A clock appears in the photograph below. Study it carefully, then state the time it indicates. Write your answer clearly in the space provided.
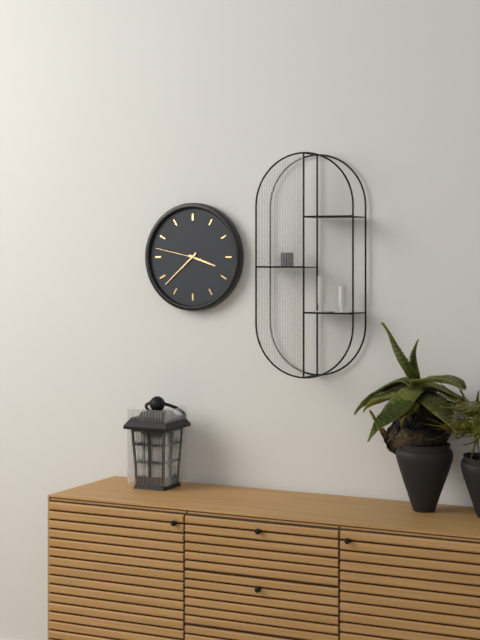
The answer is 3:38:47
